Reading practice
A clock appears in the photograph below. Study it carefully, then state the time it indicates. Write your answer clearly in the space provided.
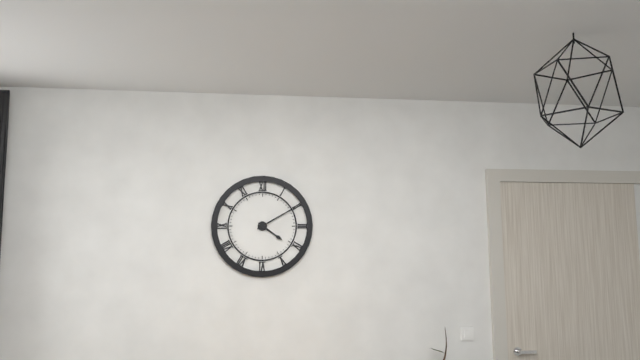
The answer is 4:10
